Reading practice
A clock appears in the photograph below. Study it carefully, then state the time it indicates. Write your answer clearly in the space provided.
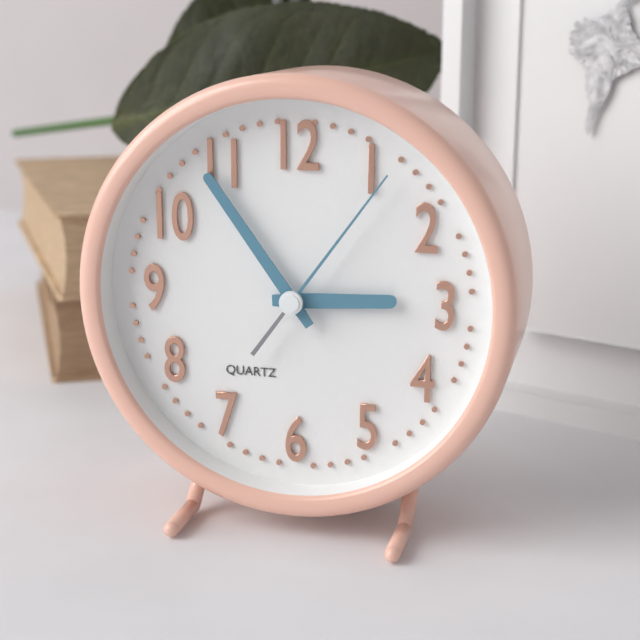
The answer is 2:54:06
